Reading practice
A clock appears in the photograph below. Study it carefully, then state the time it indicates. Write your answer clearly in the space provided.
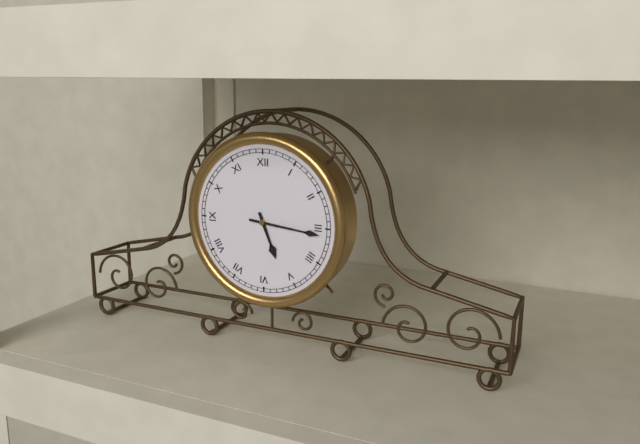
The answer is 5:16
